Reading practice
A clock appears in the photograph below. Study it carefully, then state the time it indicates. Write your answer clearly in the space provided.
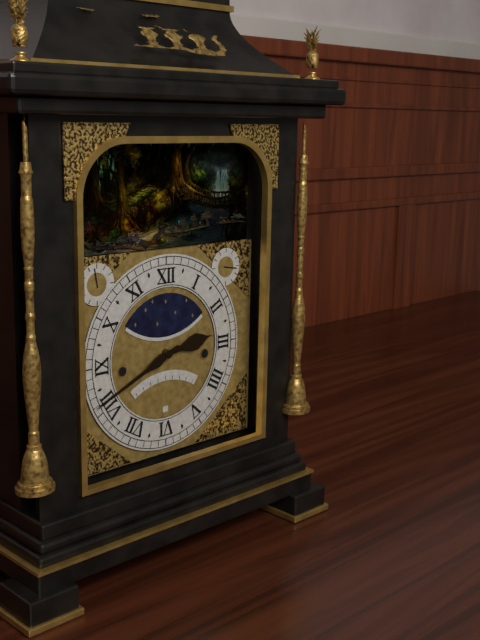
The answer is 2:41
